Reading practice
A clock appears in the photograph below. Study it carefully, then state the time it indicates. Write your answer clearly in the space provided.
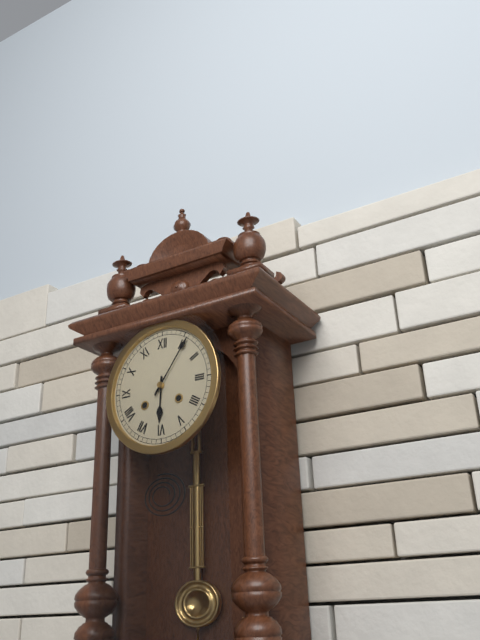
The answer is 6:06
